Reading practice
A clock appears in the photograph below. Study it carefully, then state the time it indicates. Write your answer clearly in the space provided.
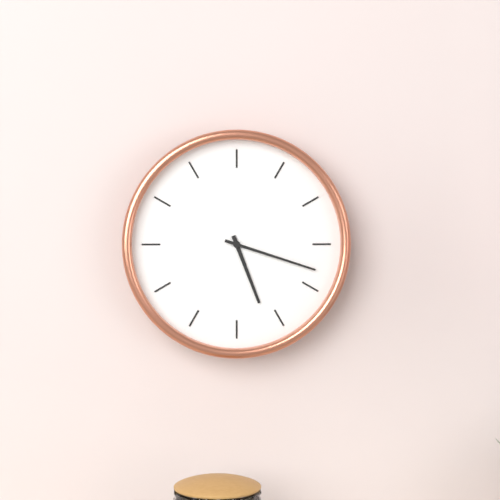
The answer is 5:18
